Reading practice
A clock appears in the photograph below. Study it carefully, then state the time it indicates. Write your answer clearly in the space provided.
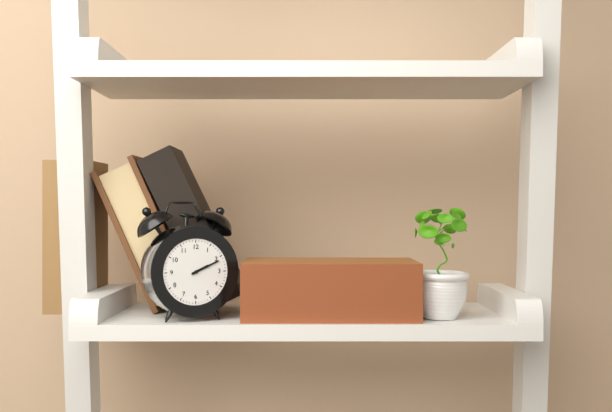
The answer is 2:11
